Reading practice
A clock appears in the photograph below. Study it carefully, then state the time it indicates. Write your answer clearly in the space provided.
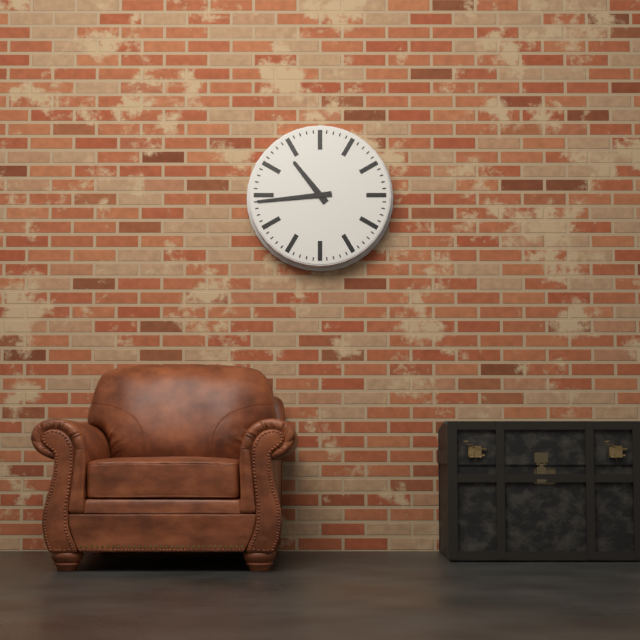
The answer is 10:44
